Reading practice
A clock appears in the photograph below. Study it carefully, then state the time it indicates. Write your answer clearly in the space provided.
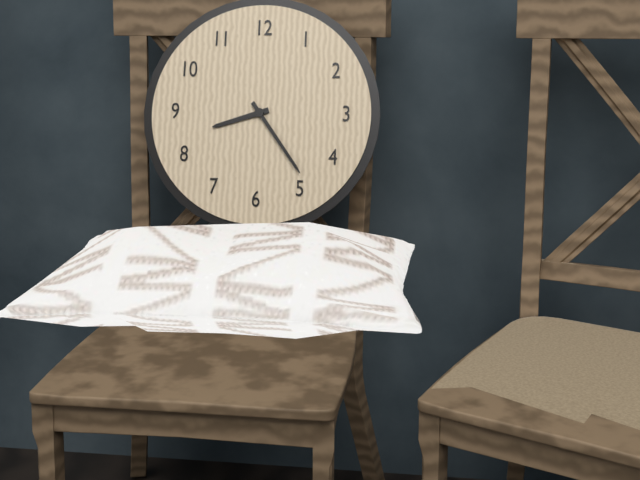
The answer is 8:24
